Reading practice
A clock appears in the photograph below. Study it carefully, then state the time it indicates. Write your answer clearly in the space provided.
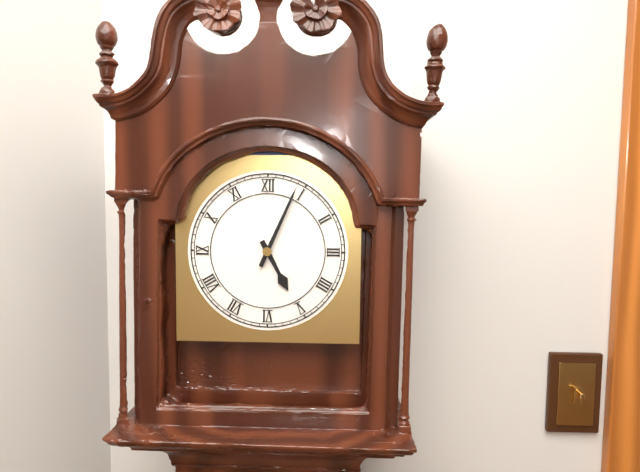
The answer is 5:04
